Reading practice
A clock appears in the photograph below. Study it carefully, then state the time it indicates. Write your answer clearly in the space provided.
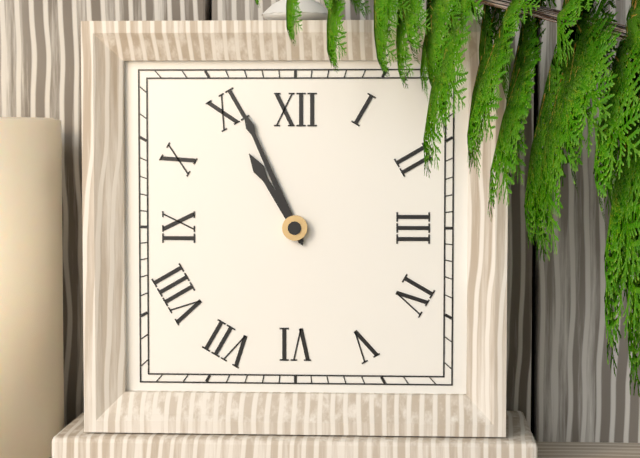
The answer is 10:56
